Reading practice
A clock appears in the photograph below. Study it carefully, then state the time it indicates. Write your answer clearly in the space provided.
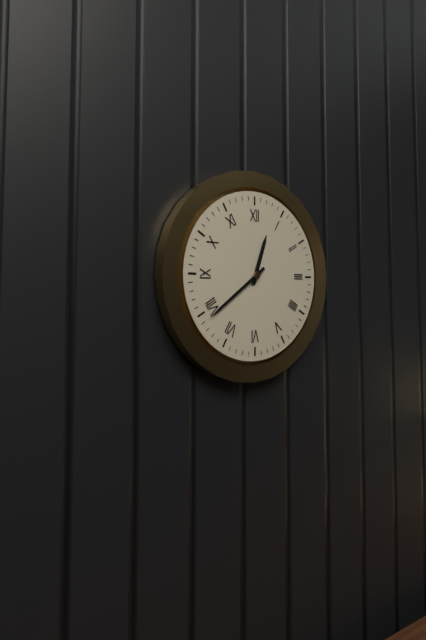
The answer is 12:39
